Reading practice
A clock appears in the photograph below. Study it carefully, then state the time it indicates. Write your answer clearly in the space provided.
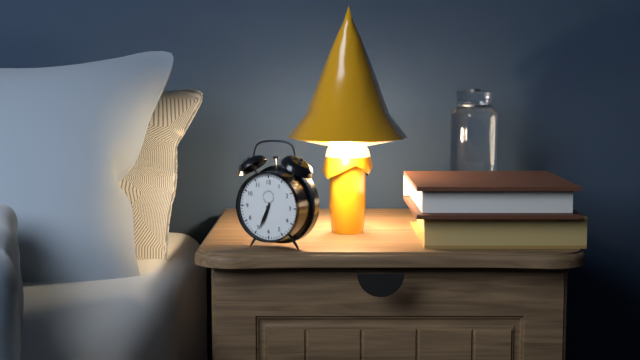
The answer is 6:34
